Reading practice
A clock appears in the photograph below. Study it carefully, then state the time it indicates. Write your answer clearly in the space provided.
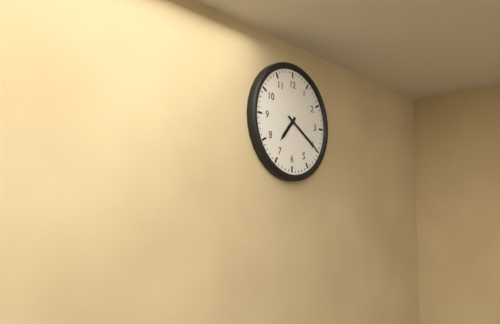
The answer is 7:20
